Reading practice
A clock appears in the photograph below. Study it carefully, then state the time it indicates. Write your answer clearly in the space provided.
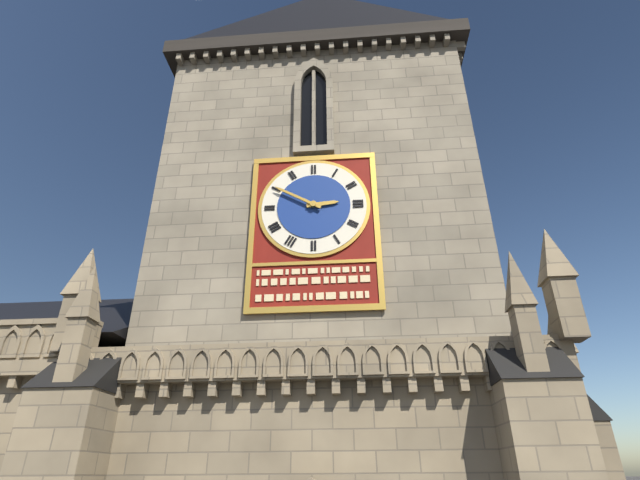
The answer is 2:50
